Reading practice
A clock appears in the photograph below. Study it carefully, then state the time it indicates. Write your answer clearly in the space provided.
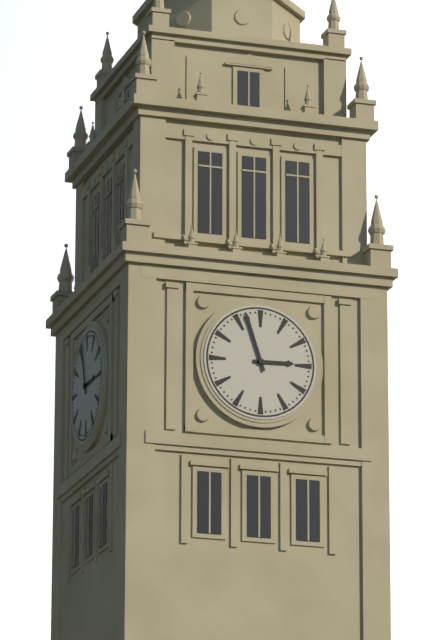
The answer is 2:57
